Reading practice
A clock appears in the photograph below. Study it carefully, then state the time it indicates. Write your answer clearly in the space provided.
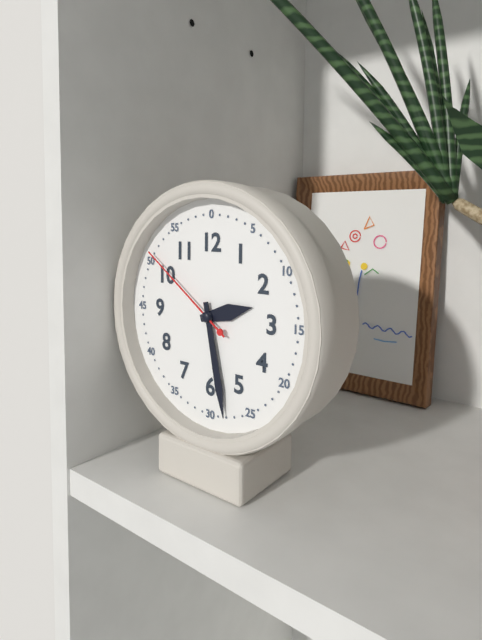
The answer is 2:28:51
